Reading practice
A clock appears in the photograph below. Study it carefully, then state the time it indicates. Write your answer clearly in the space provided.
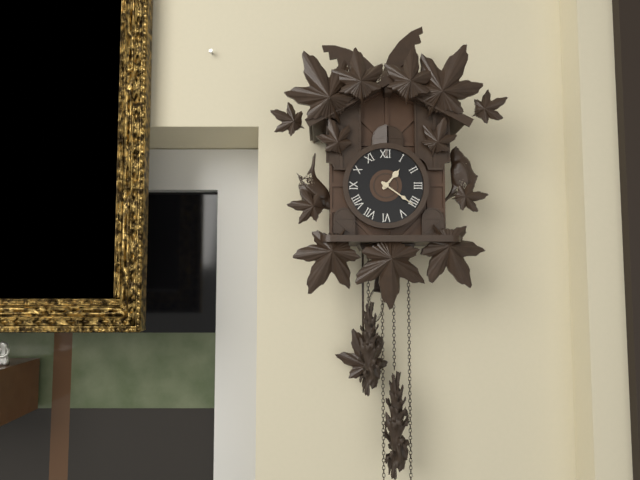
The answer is 1:21
